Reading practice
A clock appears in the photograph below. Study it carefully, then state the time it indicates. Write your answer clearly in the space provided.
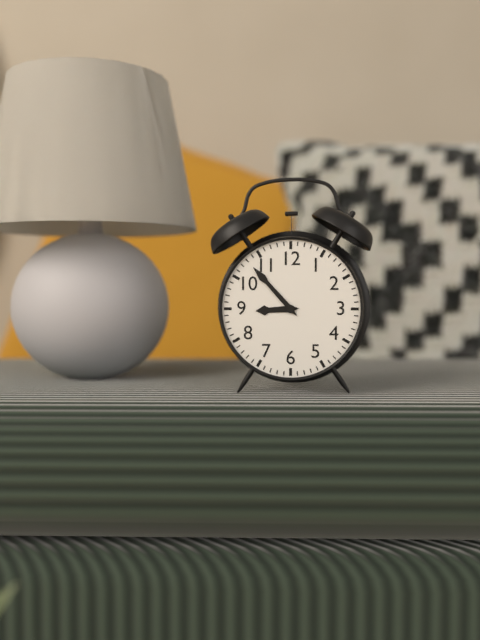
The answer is 8:53
